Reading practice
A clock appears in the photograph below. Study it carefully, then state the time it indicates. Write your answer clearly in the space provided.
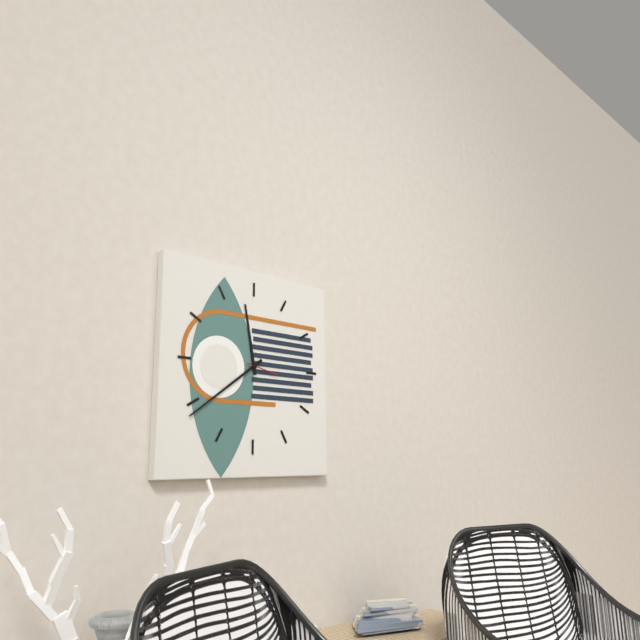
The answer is 11:39
